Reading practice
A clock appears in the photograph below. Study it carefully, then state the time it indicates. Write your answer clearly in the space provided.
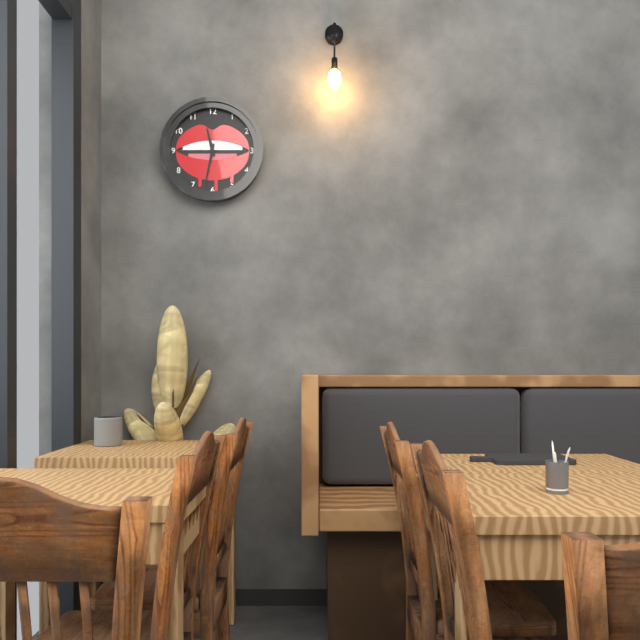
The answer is 11:32
